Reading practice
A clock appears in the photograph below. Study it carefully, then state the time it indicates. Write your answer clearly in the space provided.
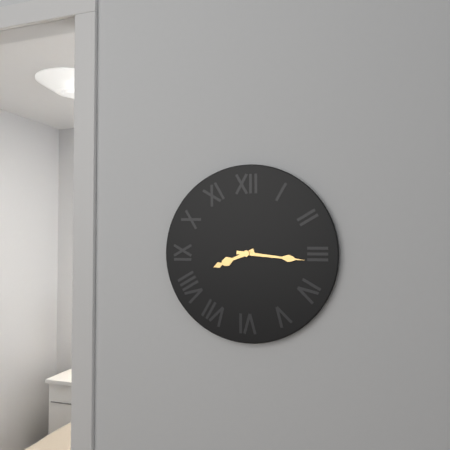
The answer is 8:16
